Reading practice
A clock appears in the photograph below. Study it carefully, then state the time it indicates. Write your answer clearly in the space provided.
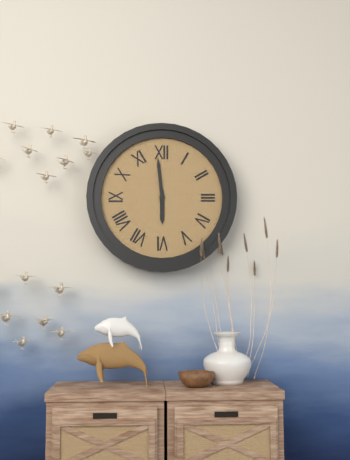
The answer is 5:59
